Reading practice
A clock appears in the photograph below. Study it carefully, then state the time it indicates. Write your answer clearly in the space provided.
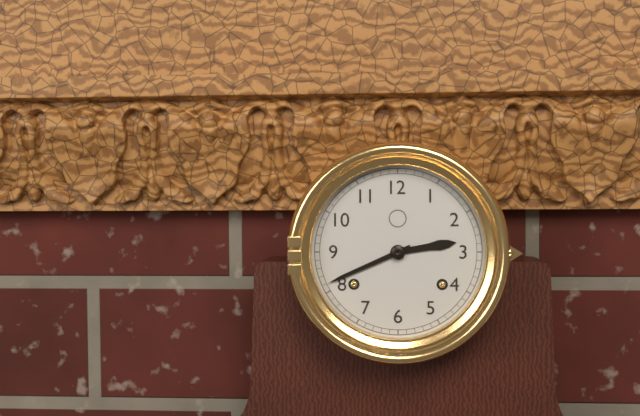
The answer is 2:41
